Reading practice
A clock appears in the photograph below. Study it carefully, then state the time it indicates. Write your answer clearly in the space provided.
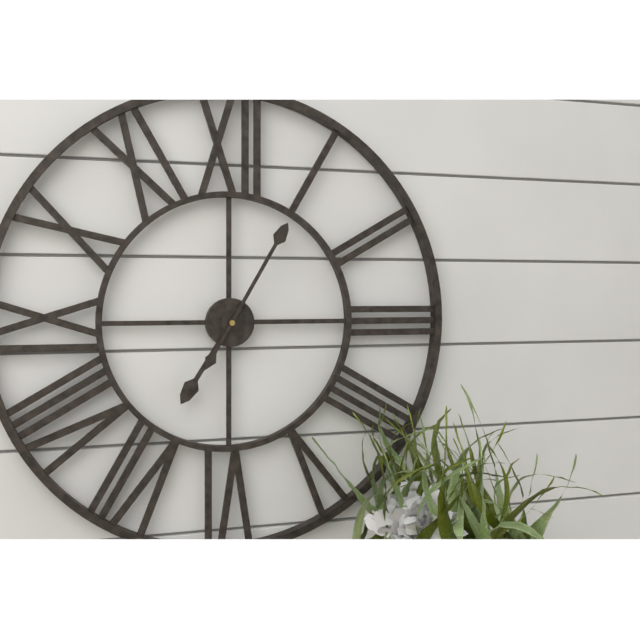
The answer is 7:05
